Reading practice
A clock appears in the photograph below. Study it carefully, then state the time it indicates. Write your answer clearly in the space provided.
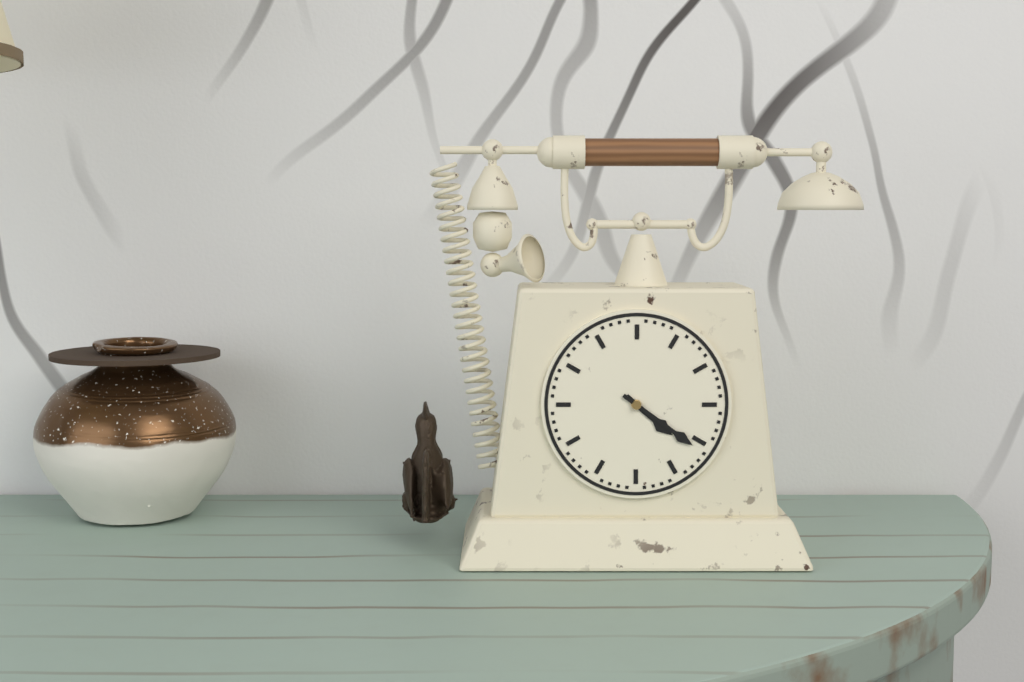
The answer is 4:21
